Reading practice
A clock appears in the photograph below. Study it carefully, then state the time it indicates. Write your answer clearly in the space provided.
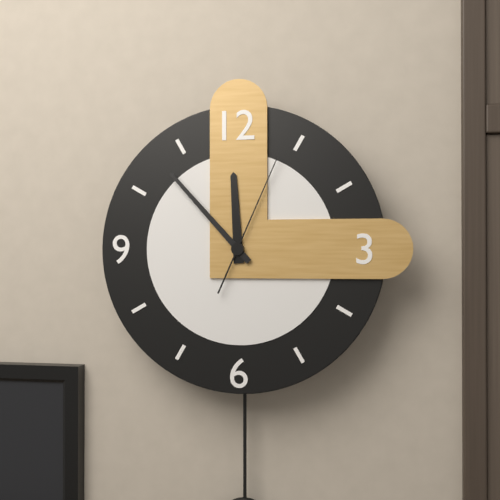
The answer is 11:53:04
